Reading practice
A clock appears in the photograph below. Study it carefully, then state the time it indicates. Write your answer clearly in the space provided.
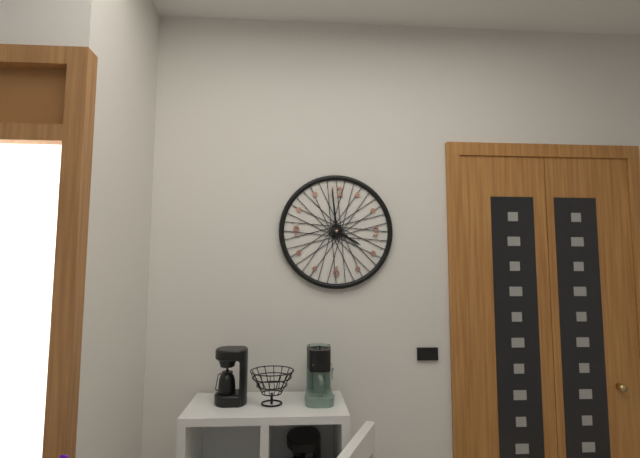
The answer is 3:59
